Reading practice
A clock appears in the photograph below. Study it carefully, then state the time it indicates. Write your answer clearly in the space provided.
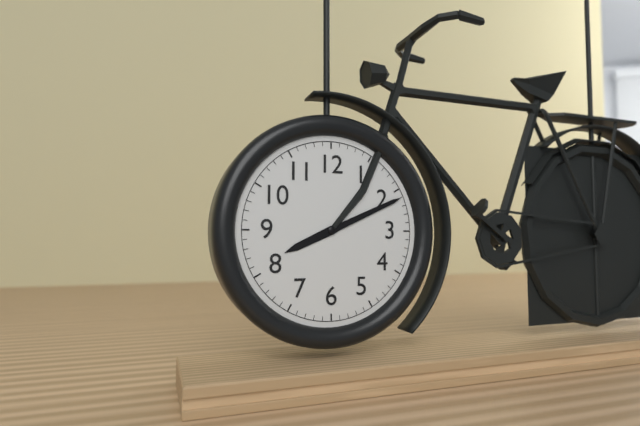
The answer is 8:11
